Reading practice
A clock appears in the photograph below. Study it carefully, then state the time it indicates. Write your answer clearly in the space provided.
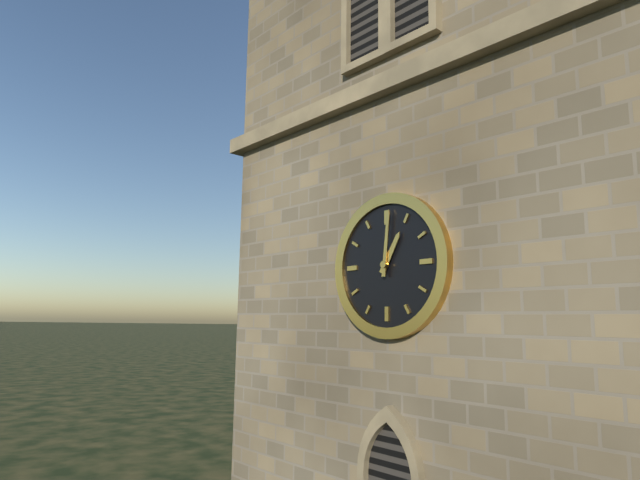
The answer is 1:01
